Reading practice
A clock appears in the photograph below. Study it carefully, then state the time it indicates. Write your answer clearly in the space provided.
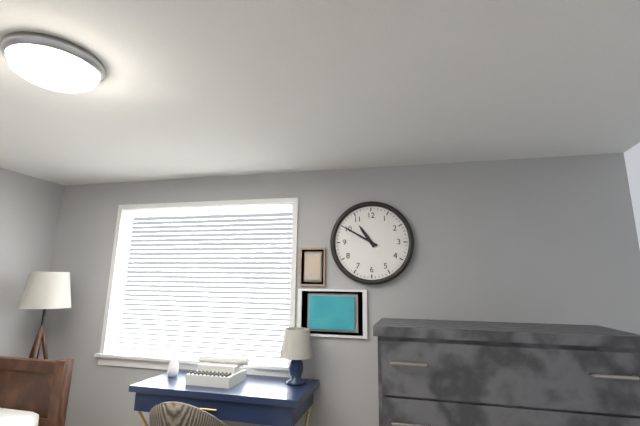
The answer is 10:50
